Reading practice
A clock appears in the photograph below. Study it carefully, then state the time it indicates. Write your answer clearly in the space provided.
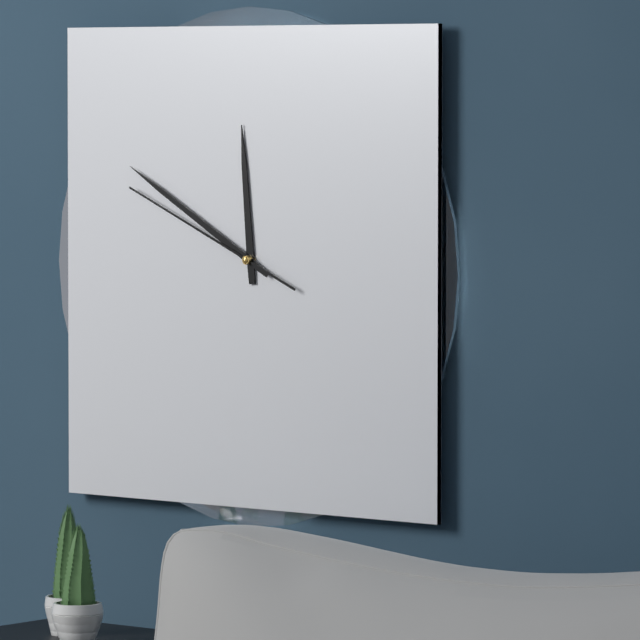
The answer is 11:50:49
